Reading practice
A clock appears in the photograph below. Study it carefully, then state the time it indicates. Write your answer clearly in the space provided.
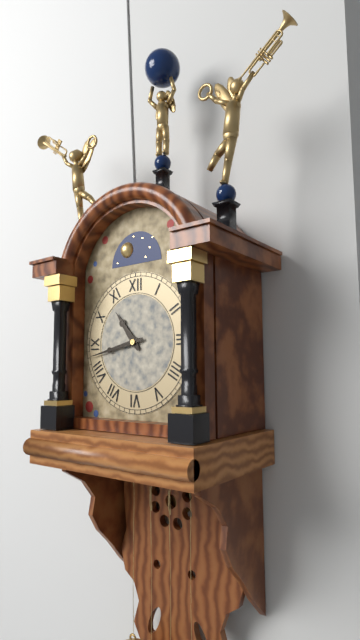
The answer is 10:43
